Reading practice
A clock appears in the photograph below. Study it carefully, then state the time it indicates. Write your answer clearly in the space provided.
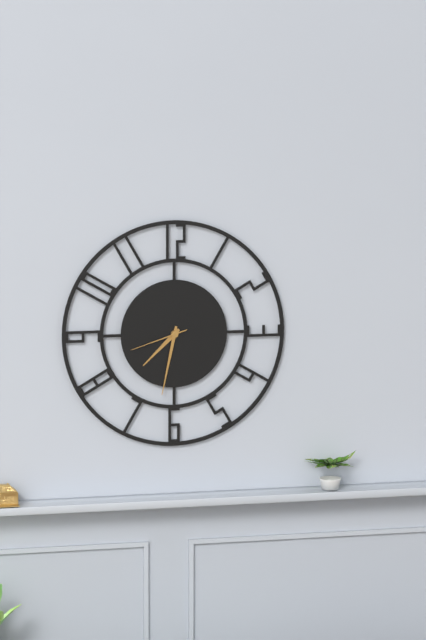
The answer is 7:32:42
